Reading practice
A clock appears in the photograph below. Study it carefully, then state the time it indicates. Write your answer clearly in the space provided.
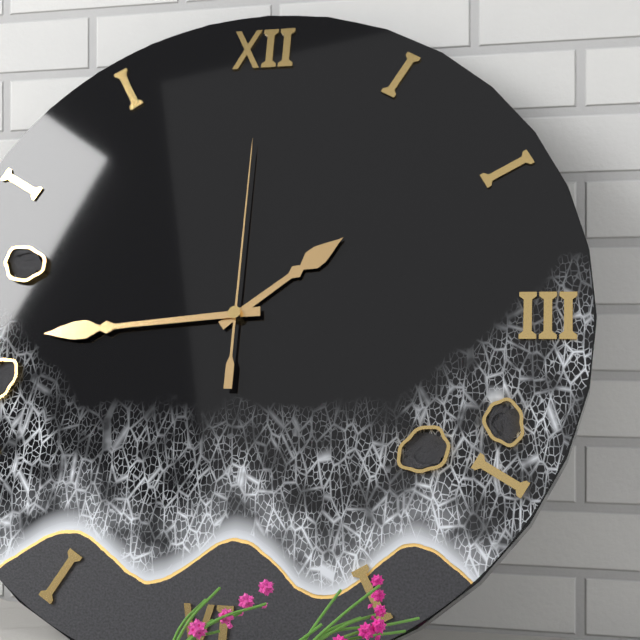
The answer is 1:44:00
